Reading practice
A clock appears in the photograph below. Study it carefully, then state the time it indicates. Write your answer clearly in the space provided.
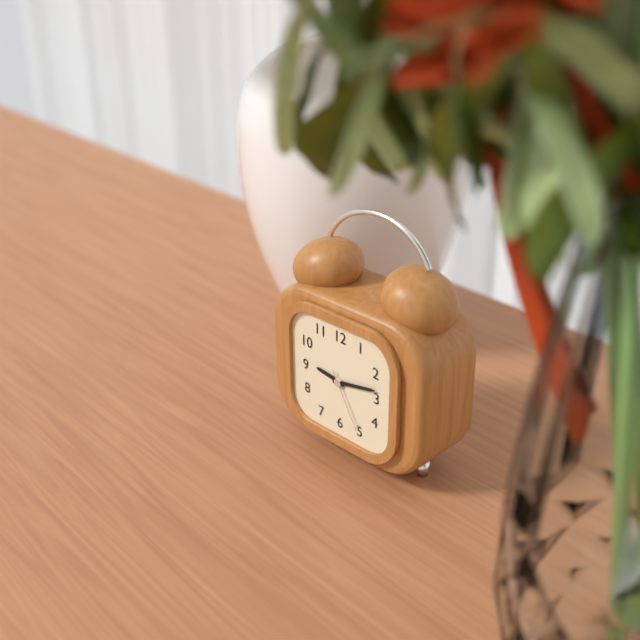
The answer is 9:13:25
